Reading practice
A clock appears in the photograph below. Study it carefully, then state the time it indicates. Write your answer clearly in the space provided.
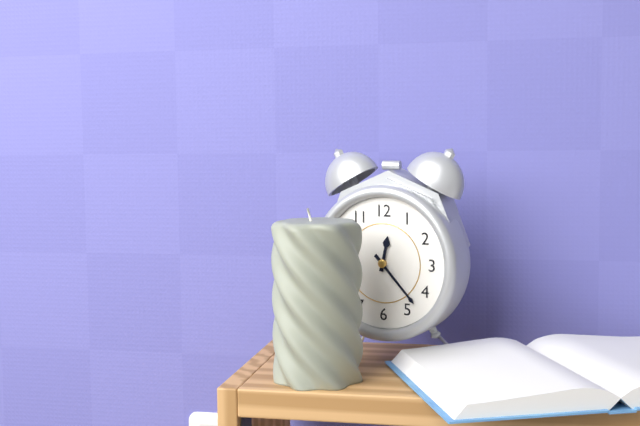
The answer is 12:23
